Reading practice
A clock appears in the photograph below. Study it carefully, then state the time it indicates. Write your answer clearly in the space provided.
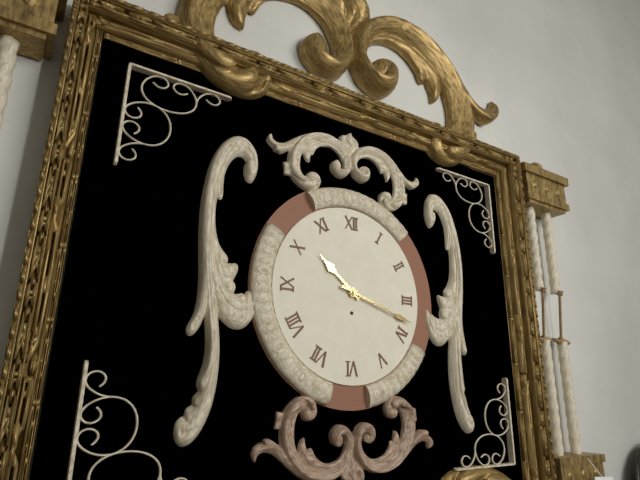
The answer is 10:18
